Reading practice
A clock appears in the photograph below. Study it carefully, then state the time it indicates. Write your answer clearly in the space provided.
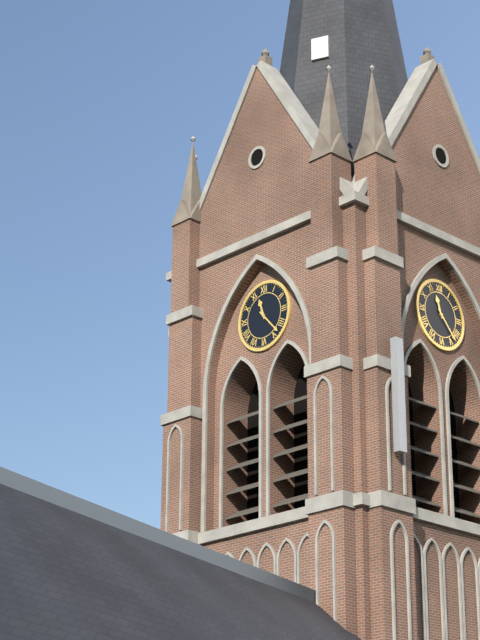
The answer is 11:23
